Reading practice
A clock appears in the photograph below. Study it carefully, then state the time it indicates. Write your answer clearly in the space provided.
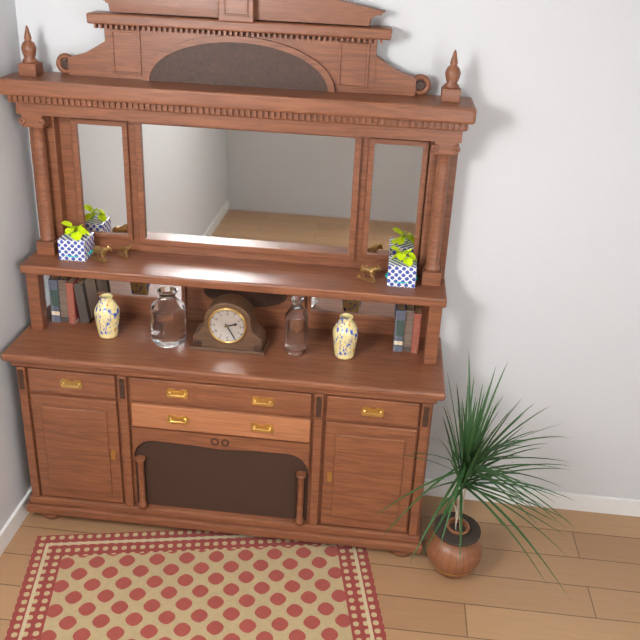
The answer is 2:25
